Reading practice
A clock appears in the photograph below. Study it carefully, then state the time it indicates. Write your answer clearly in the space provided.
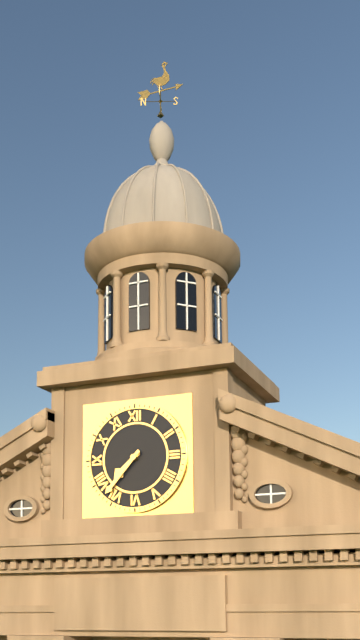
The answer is 7:37
